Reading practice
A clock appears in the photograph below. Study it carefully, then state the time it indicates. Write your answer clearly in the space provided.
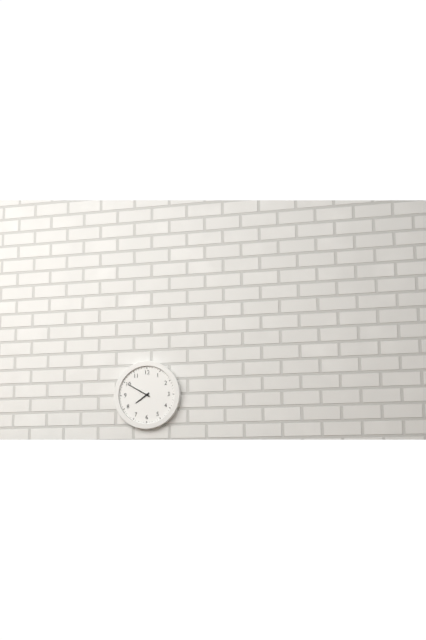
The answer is 7:50
